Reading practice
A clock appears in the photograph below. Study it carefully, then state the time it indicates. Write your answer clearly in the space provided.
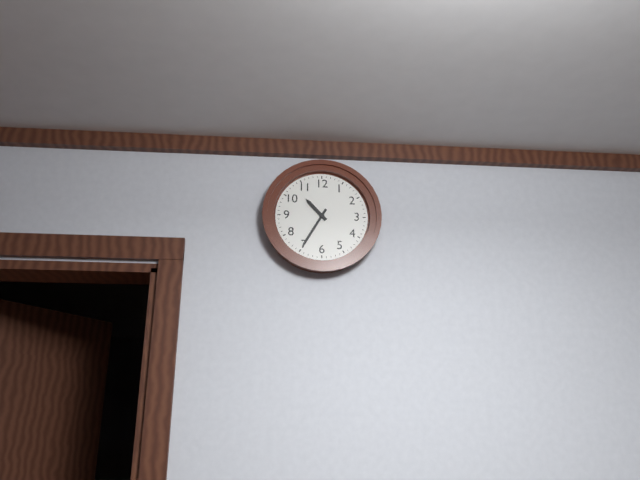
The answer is 10:35
